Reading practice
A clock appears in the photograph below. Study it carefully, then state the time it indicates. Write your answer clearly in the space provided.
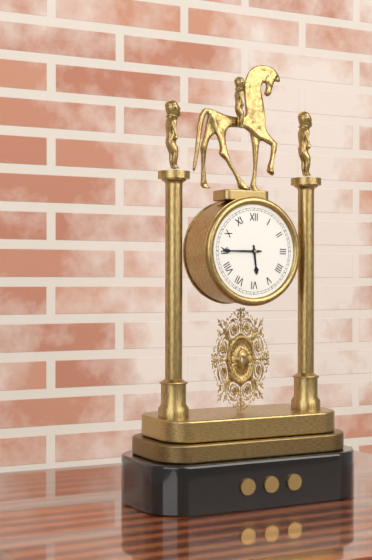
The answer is 5:45
